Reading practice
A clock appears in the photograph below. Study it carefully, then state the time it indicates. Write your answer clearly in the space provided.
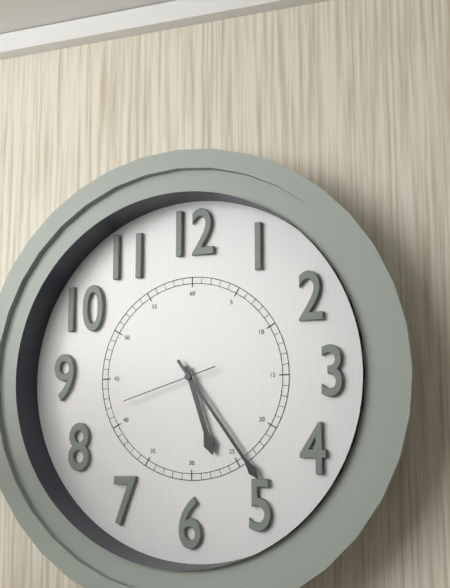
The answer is 5:24:42
